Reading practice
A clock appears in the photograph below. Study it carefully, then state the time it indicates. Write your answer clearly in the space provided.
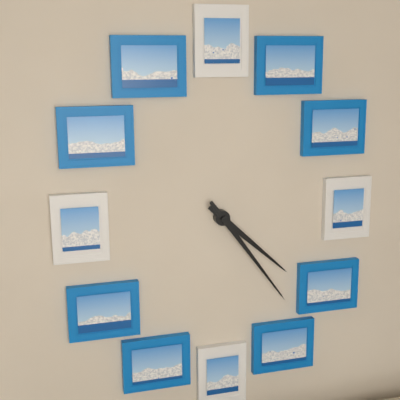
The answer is 4:24
